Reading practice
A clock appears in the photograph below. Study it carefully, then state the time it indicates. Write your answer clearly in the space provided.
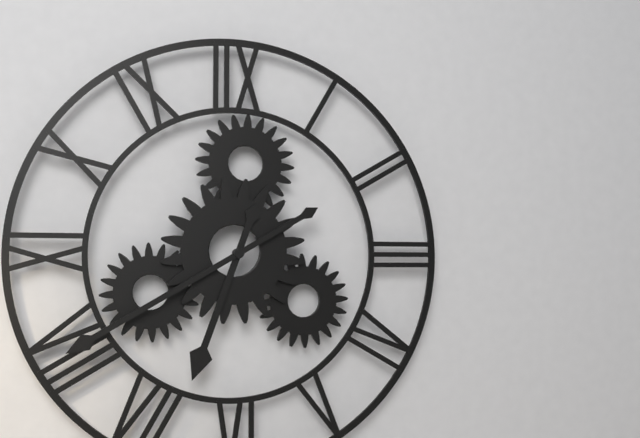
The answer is 6:40
